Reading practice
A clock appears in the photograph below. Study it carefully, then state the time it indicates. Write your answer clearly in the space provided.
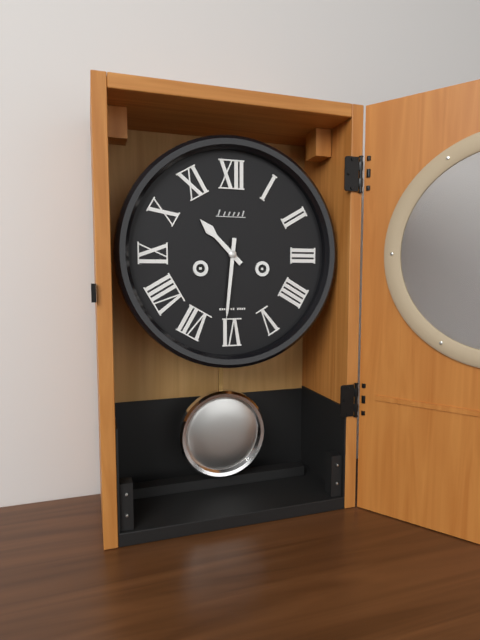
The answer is 10:31
